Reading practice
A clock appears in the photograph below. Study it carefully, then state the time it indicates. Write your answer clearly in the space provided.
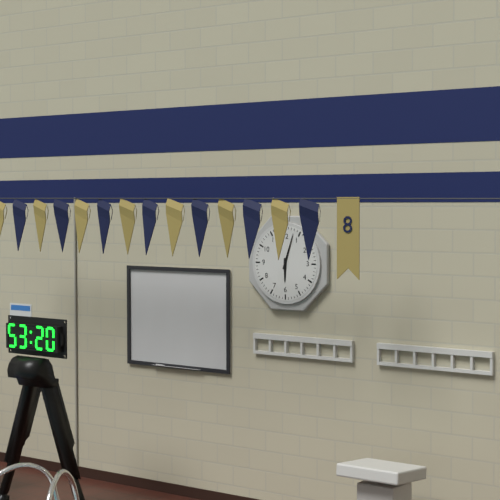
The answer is 6:03
